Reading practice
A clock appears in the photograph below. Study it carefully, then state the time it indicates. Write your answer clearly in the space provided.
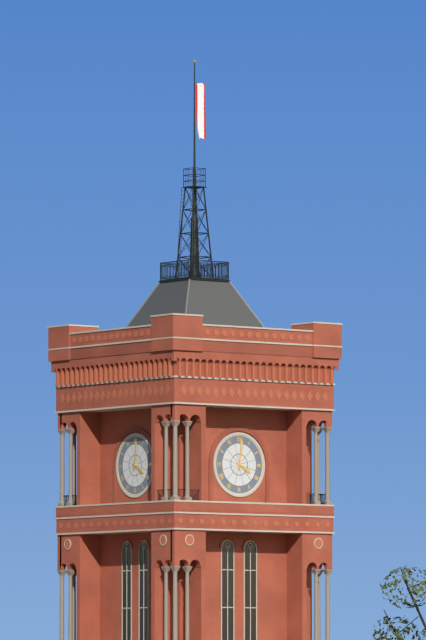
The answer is 4:01
